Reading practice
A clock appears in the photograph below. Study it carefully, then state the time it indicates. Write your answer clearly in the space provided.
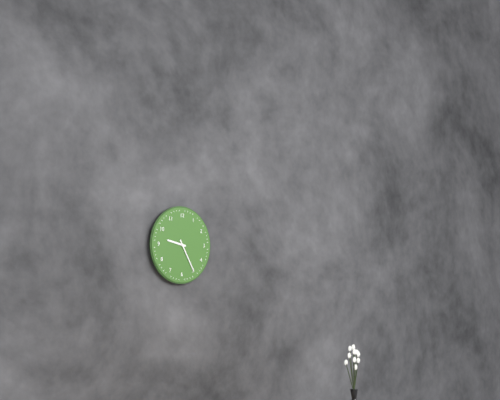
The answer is 9:25
